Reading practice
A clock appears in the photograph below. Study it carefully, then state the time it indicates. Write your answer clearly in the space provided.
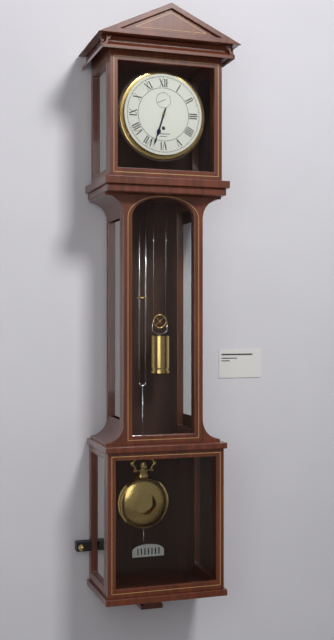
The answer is 6:33
